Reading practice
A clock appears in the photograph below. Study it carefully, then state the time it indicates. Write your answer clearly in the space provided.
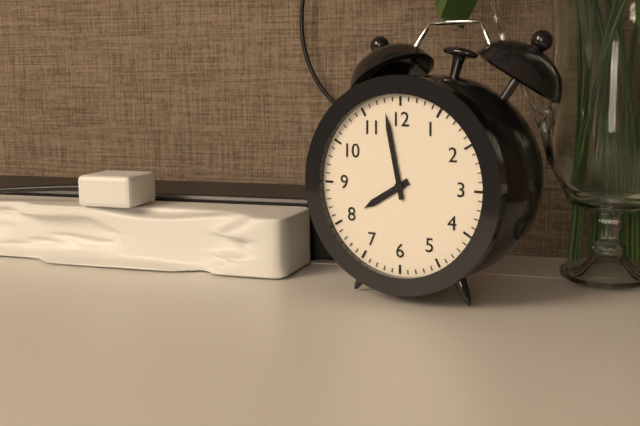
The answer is 7:58
